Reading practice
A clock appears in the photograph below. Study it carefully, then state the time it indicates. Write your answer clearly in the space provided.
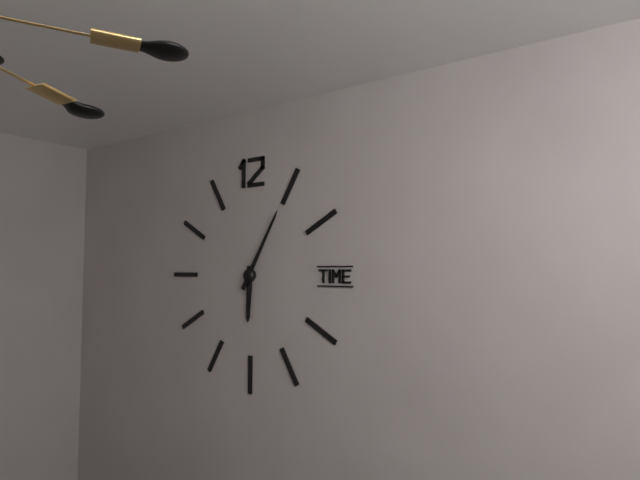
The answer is 6:05
